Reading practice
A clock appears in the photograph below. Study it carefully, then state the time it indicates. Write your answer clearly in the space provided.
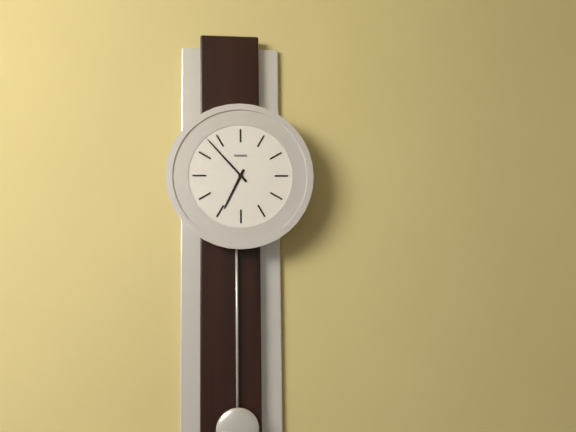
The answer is 6:53
